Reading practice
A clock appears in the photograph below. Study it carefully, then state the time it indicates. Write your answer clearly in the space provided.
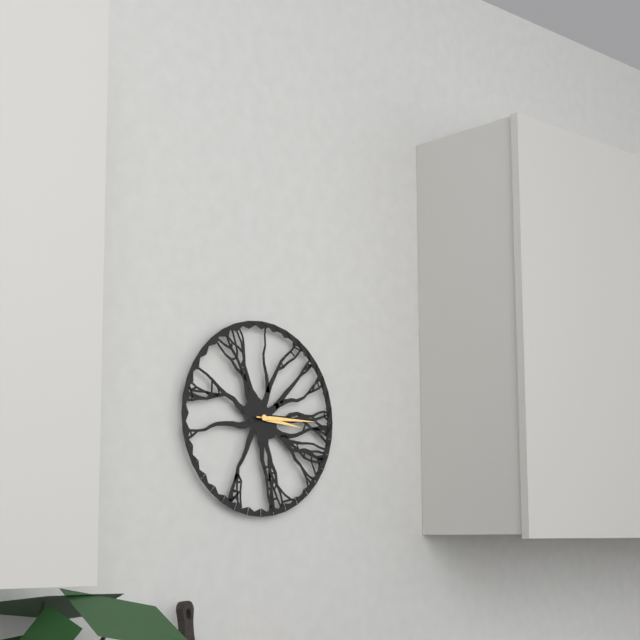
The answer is 3:15
